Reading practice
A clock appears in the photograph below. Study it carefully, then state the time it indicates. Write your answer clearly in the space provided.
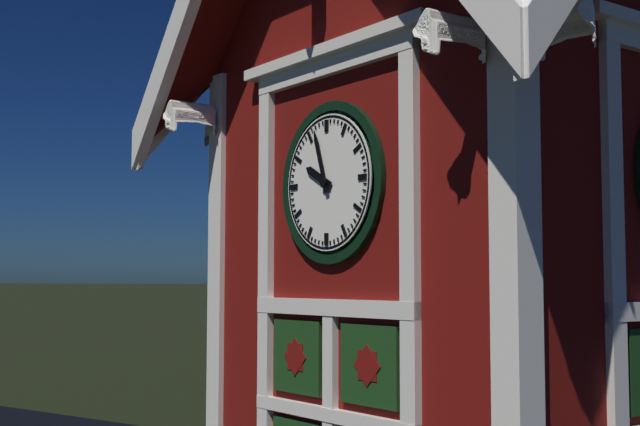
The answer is 9:57
